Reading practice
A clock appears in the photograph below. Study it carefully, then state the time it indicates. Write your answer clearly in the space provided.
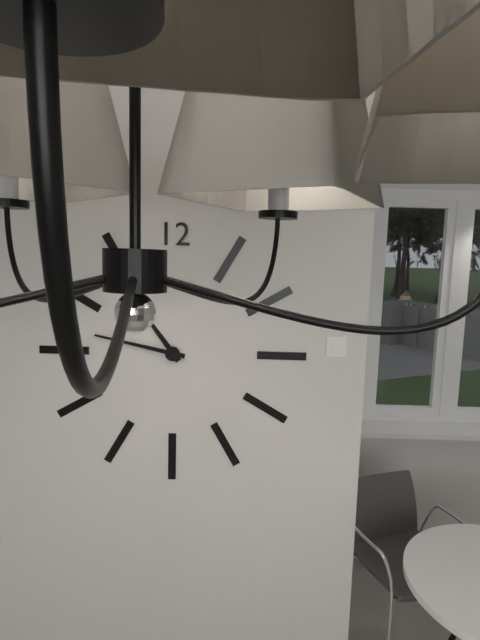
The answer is 10:47
